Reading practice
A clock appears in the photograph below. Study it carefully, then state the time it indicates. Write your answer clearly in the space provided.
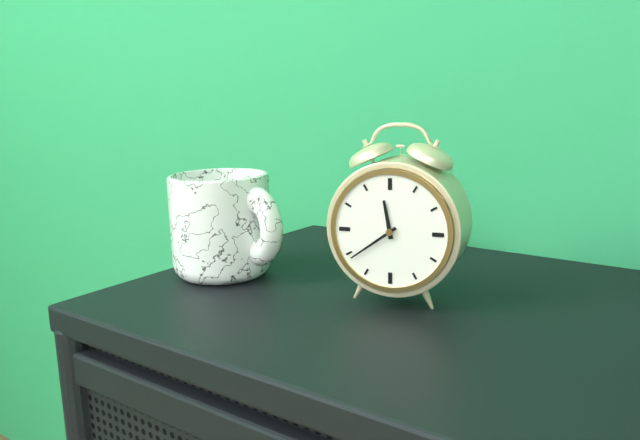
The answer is 11:39
